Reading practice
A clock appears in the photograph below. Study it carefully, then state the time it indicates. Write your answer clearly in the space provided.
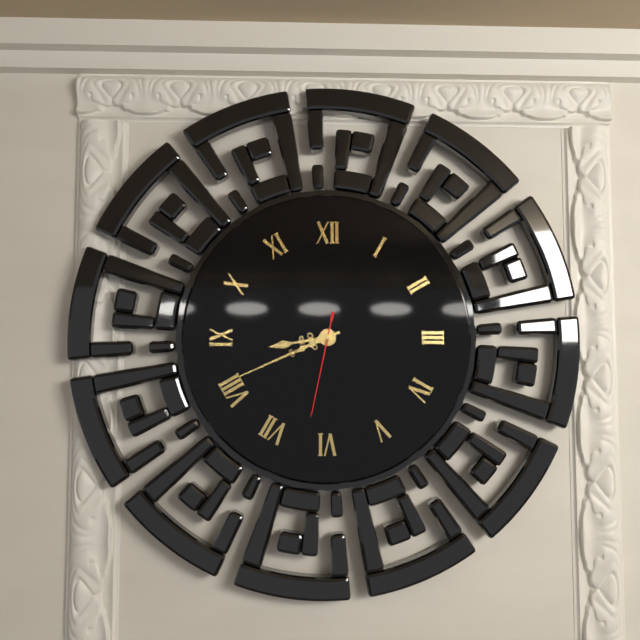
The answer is 8:41:32
